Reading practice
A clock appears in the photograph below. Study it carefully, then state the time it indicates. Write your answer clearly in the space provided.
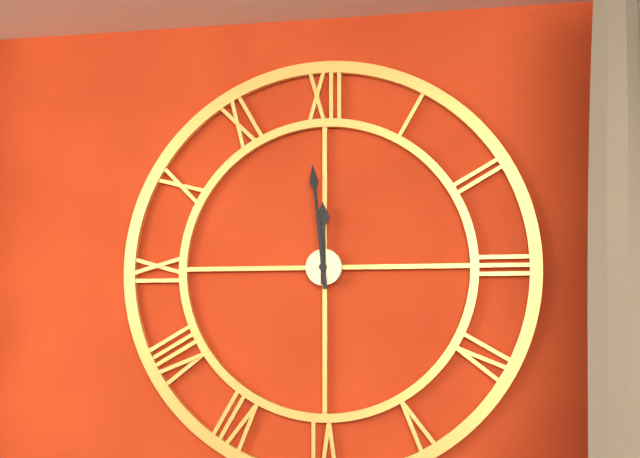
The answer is 11:59
